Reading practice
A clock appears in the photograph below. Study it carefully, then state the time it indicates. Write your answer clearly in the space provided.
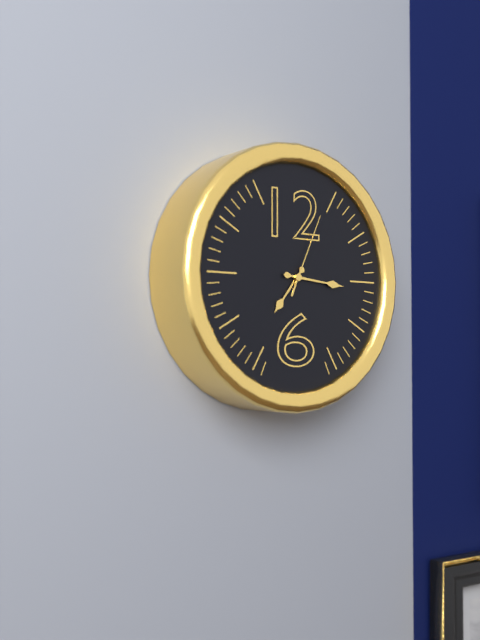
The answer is 7:16:04
